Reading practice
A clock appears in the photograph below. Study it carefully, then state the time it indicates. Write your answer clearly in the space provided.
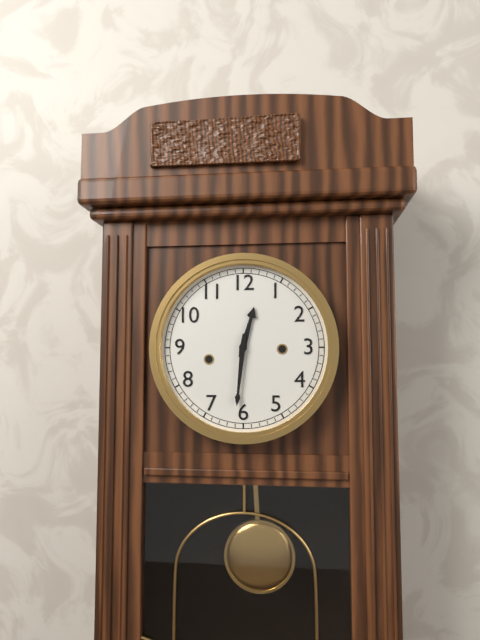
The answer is 12:31
